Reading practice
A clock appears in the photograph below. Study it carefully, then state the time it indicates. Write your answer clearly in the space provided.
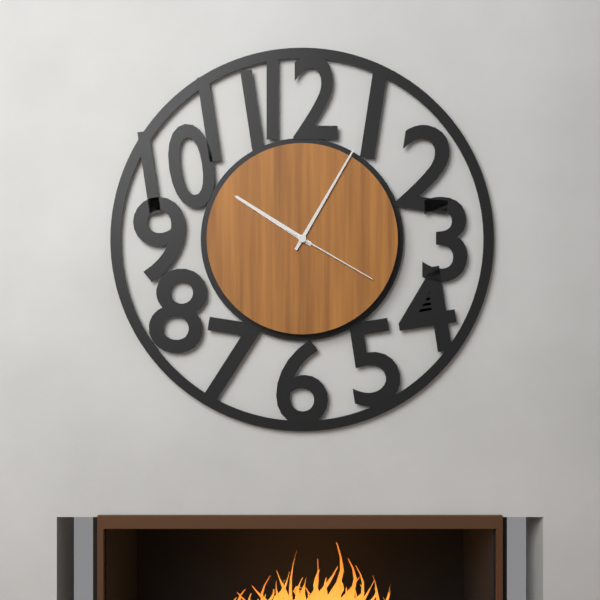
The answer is 10:05:20
